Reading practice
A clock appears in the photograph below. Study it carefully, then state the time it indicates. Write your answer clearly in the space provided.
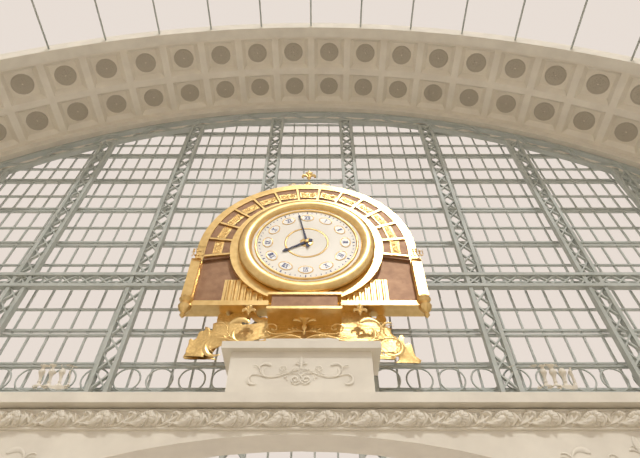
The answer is 7:58
